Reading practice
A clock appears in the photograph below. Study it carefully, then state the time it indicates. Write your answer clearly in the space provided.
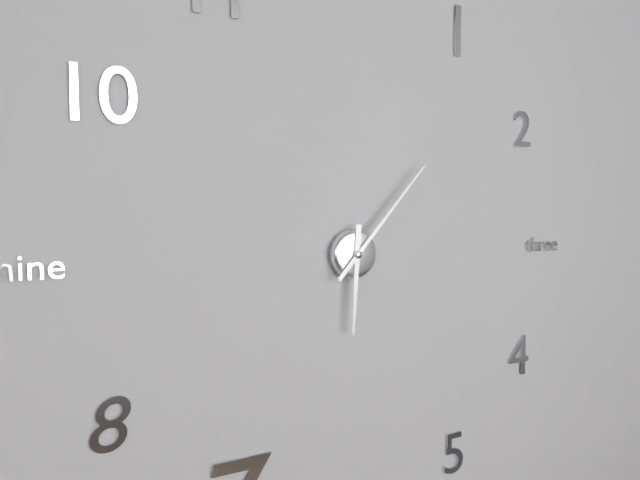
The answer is 6:07
